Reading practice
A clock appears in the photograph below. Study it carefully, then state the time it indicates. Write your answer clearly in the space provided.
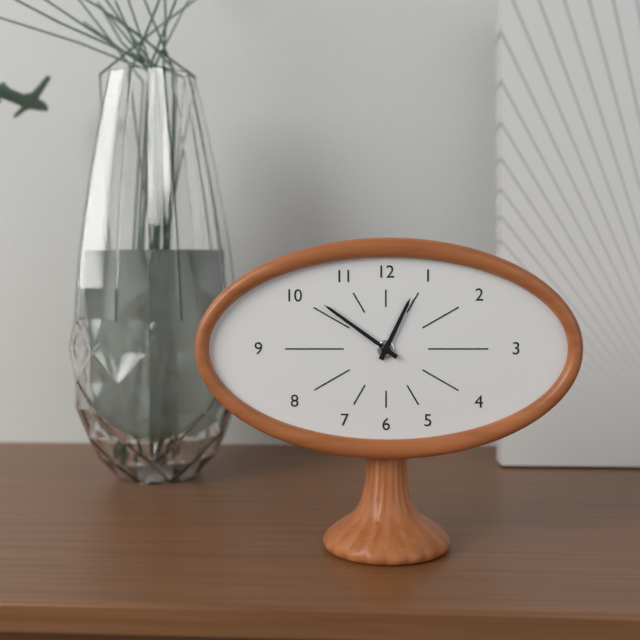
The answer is 12:51
